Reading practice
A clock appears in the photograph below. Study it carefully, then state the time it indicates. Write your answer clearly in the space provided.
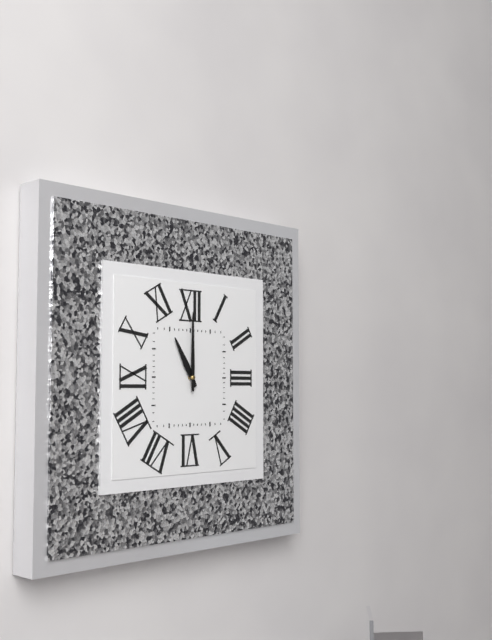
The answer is 11:00
